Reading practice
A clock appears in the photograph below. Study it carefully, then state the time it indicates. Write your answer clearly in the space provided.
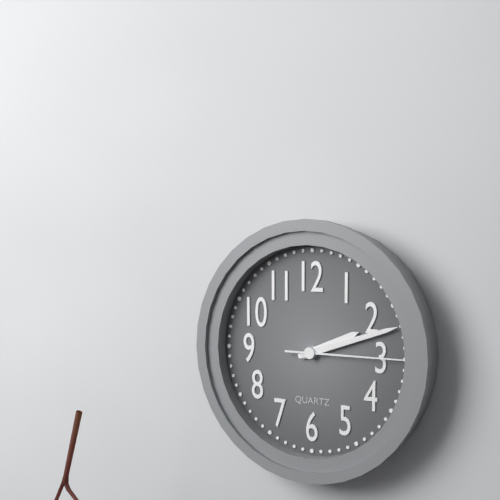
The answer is 2:12:15
